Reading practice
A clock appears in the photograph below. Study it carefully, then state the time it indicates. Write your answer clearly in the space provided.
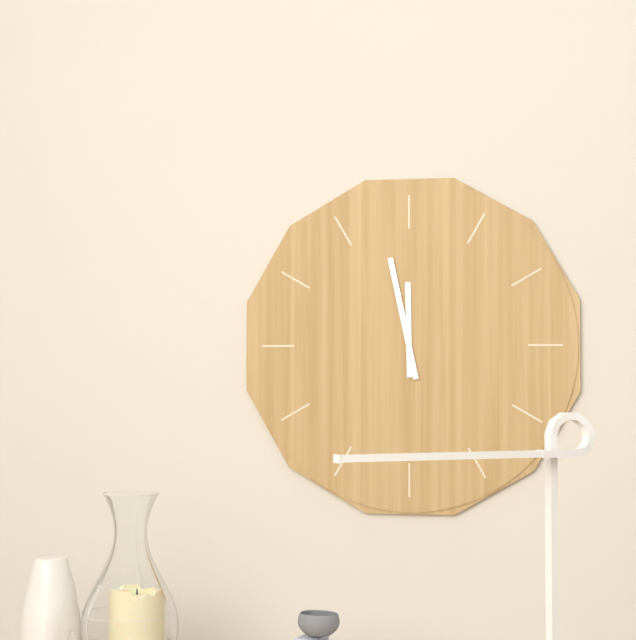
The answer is 11:58
